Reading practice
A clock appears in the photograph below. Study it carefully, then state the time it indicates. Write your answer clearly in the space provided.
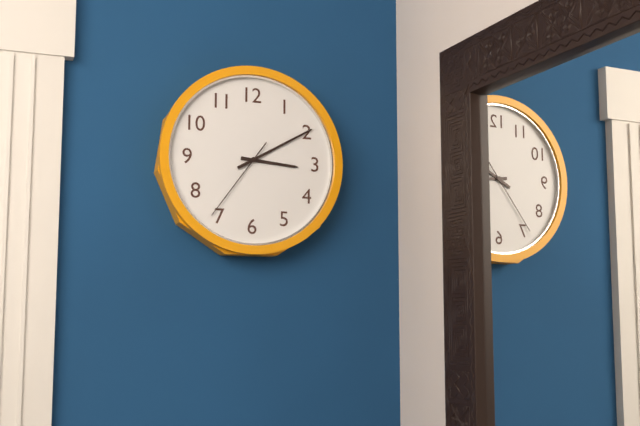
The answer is 3:10:36
